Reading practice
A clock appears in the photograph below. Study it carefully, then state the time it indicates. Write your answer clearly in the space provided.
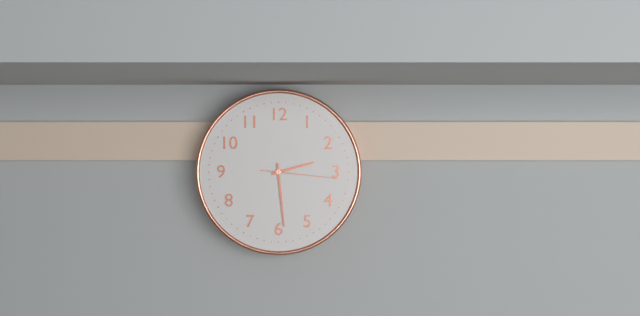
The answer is 2:29:16
